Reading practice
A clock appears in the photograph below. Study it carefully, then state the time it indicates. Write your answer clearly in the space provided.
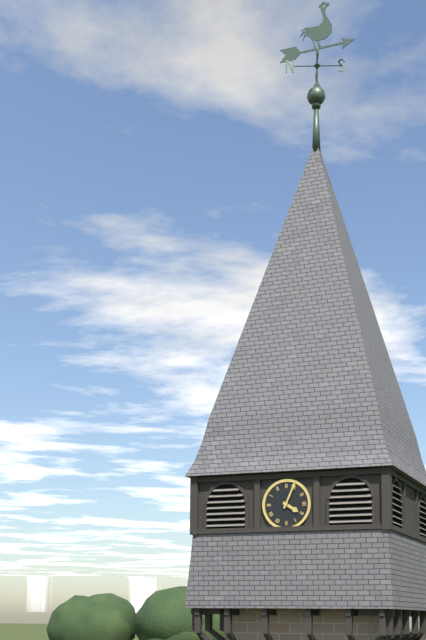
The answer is 4:04
